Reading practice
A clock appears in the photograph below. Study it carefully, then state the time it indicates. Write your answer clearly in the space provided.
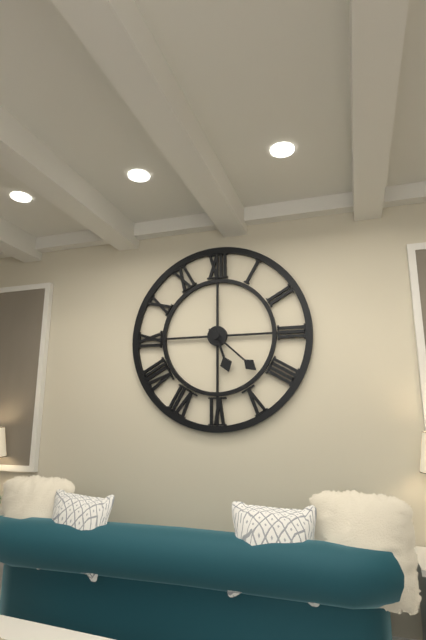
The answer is 5:22
